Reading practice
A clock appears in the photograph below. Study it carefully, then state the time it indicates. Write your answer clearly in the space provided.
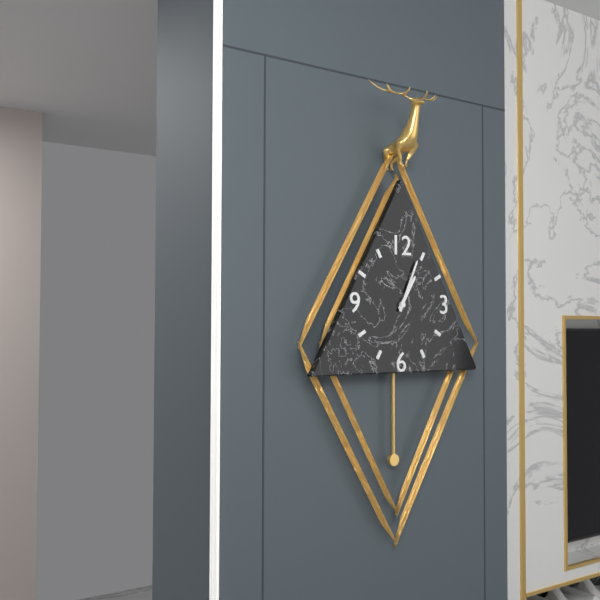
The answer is 1:04
